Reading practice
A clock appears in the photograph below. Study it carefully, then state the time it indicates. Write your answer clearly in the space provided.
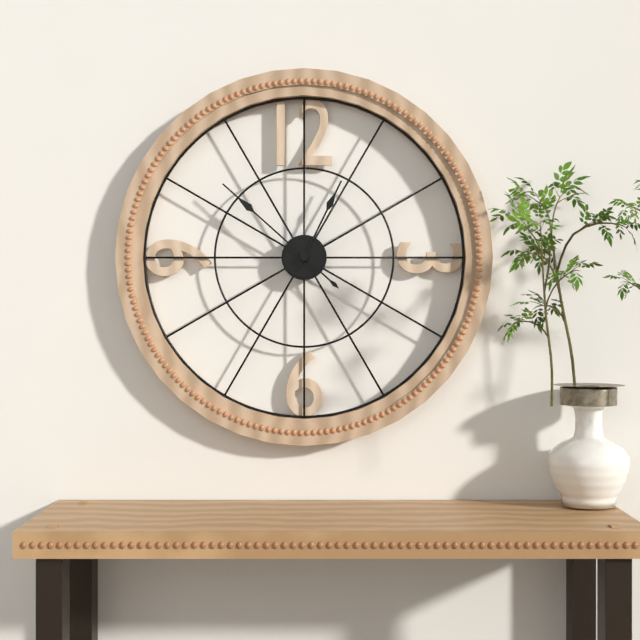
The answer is 12:52
